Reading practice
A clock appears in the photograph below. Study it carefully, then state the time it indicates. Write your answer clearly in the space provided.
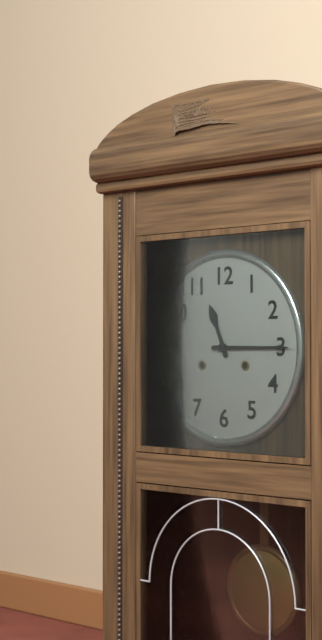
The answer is 11:15
